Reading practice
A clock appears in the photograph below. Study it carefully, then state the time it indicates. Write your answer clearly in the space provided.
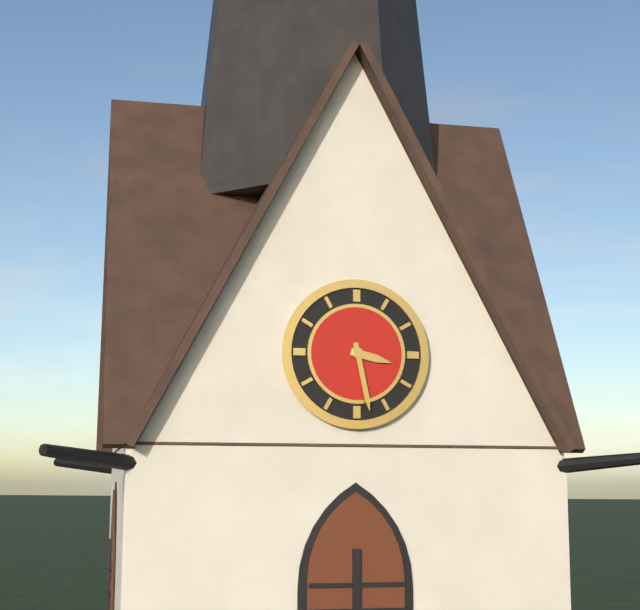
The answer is 3:28
